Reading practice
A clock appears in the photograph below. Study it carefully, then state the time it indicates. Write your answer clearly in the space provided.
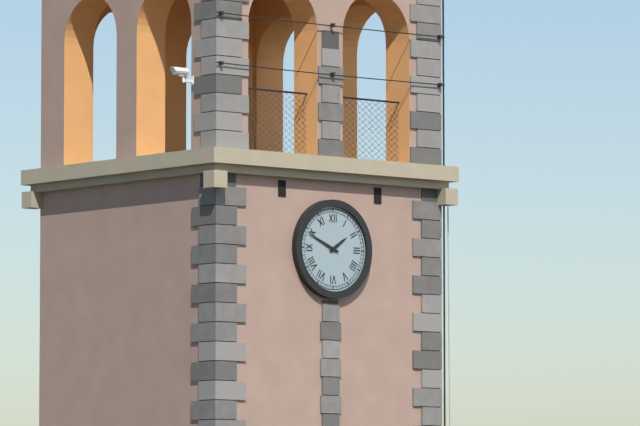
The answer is 1:49
